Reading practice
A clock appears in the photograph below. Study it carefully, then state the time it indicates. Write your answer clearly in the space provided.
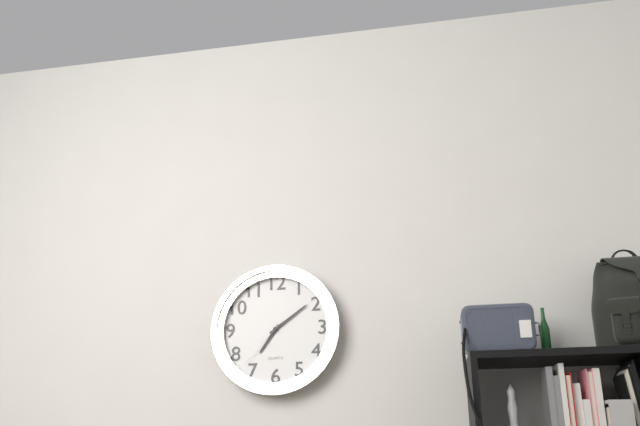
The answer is 7:09:37
